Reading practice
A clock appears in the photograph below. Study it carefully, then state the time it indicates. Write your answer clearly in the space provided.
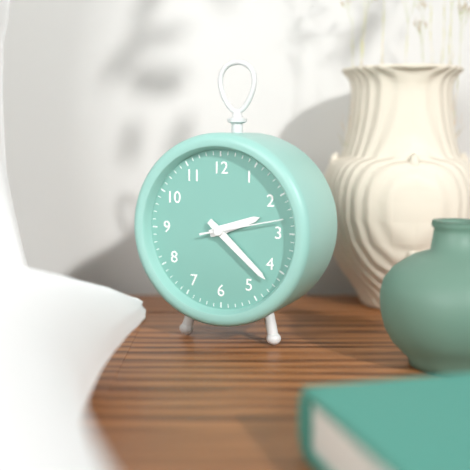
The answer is 2:22:13
